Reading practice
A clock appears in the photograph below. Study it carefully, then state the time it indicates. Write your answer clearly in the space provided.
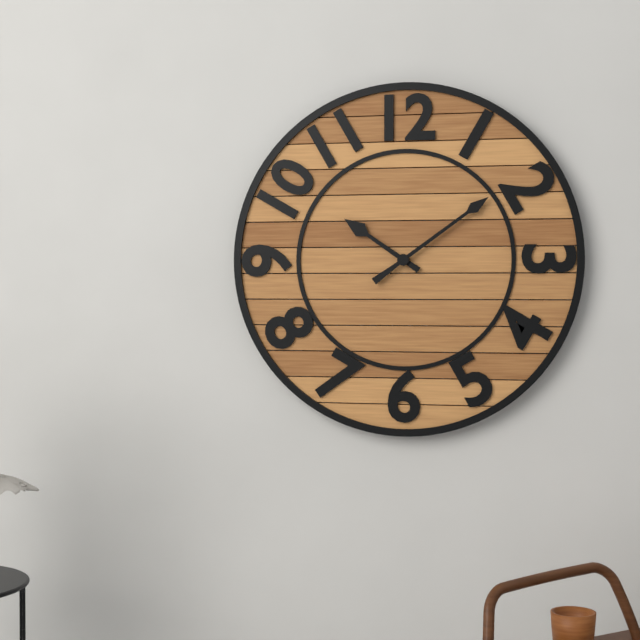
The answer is 10:09
